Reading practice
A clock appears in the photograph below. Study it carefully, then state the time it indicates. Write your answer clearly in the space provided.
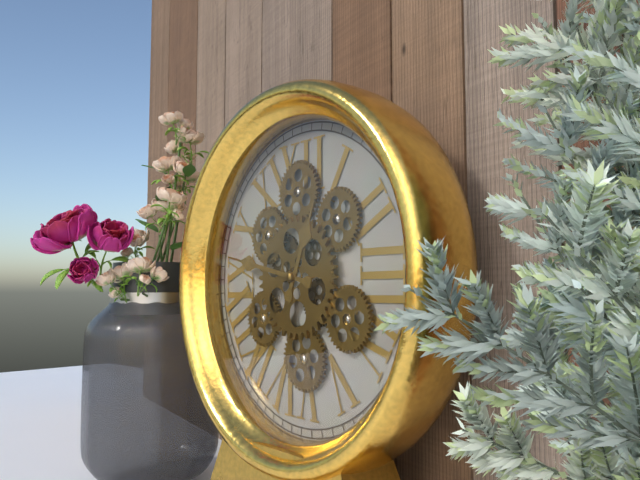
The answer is 12:47
